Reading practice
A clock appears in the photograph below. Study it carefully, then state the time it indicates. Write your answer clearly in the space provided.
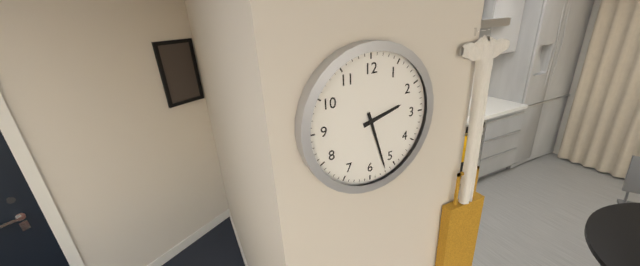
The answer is 2:27
